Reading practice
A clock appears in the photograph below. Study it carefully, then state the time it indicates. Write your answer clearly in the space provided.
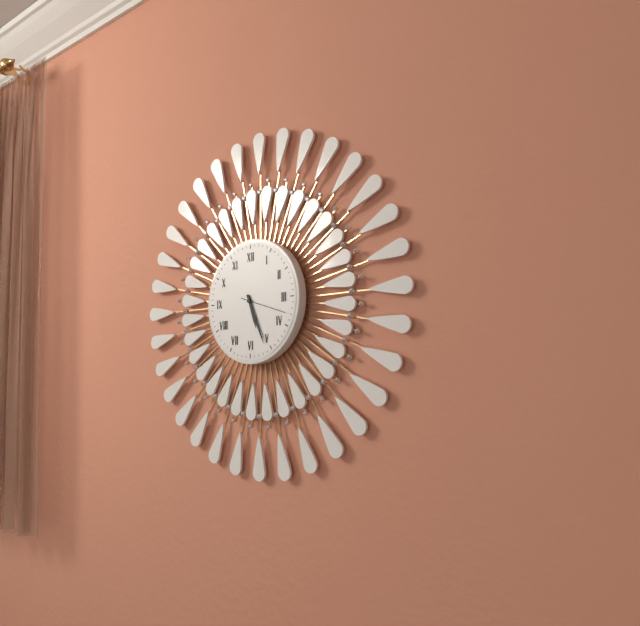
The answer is 5:26
